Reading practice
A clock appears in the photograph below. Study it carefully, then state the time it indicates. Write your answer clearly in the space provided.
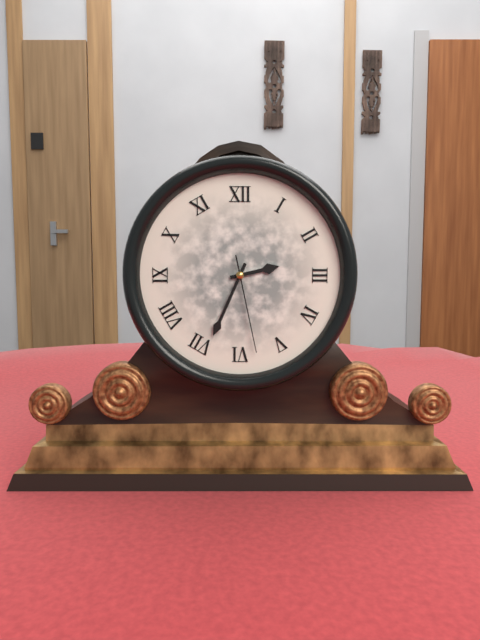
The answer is 2:34:28
